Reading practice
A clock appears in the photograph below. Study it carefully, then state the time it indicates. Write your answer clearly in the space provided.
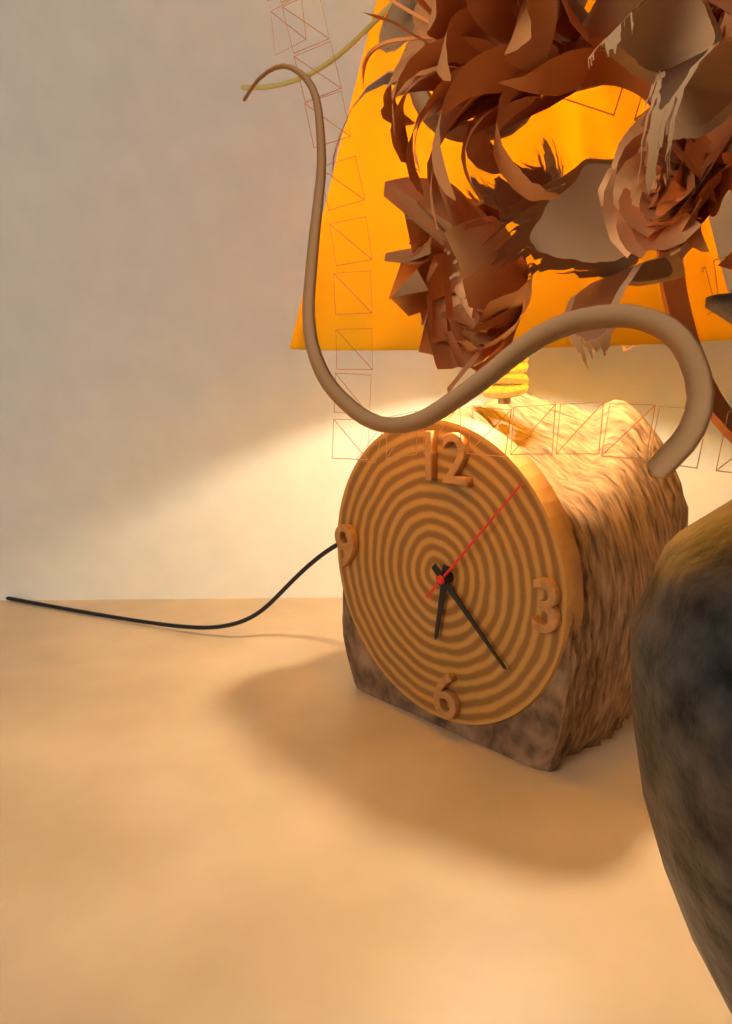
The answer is 6:22:07
